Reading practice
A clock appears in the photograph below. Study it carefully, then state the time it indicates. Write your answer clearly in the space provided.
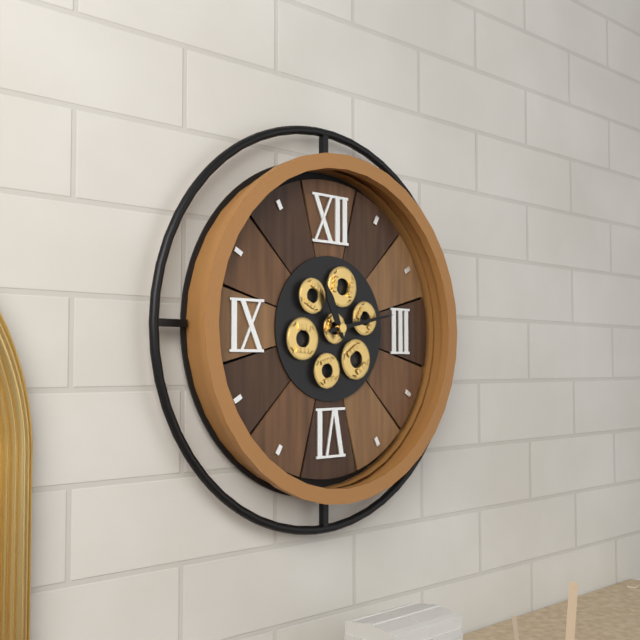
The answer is 11:13
